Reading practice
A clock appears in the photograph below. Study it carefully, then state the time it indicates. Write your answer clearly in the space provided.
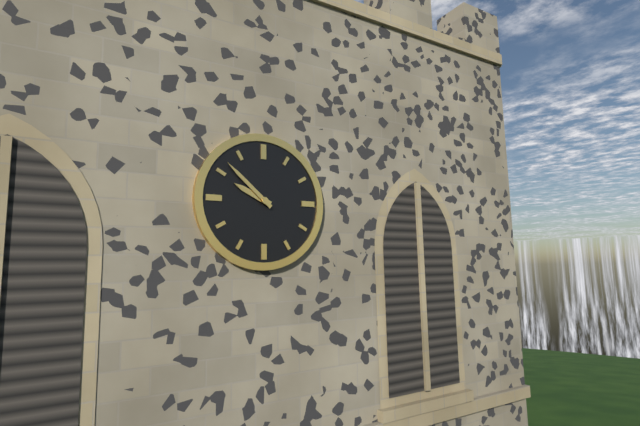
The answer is 9:52
